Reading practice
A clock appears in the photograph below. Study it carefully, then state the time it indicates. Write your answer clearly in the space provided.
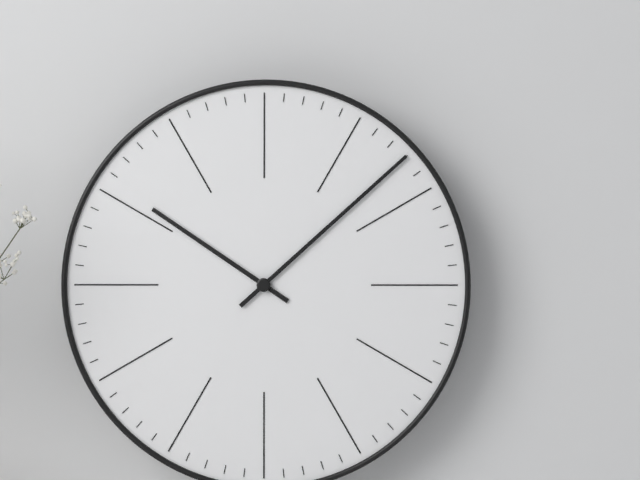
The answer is 10:08
